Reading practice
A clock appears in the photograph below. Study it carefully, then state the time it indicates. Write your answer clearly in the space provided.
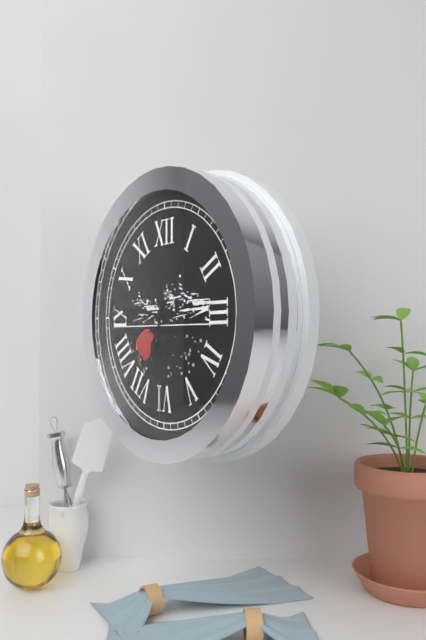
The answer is 6:46:30
